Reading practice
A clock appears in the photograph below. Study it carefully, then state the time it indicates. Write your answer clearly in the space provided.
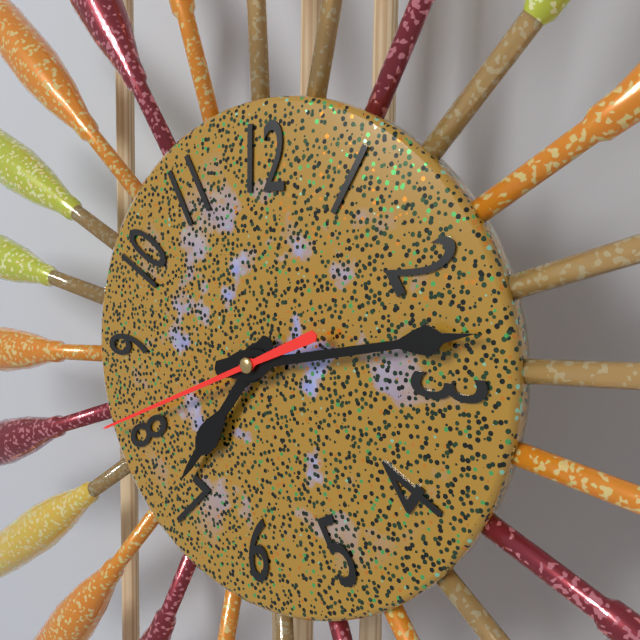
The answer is 7:13:41
